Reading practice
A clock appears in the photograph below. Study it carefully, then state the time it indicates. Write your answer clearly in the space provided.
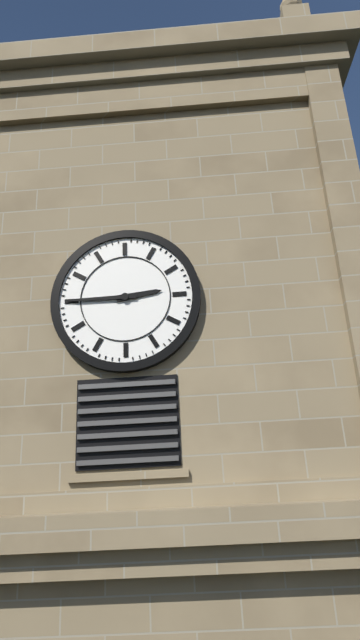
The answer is 2:45
